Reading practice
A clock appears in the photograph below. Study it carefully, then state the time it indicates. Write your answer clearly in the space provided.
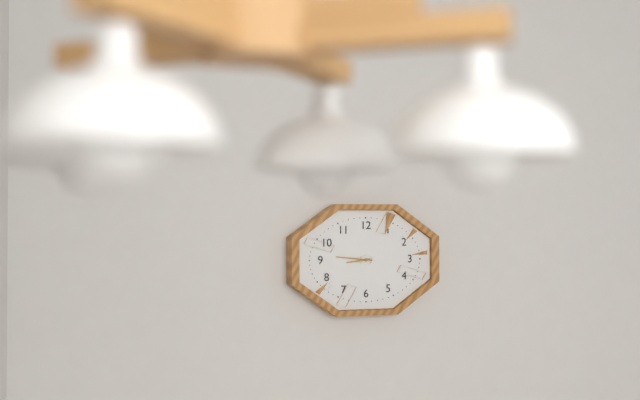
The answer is 8:46
